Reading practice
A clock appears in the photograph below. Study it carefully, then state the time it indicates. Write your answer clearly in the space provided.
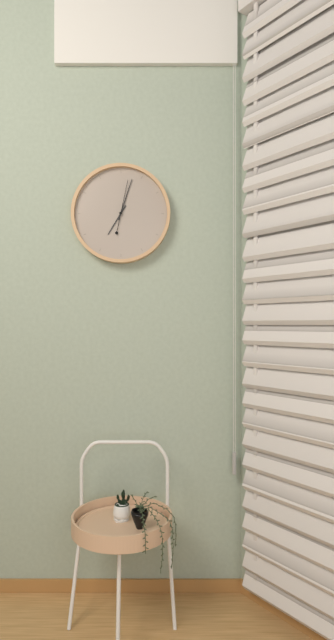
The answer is 7:03
